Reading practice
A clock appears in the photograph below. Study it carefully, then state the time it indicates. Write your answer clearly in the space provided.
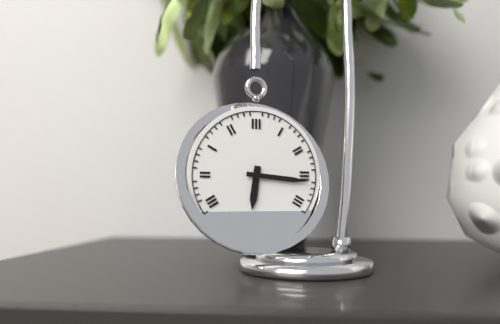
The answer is 6:16
